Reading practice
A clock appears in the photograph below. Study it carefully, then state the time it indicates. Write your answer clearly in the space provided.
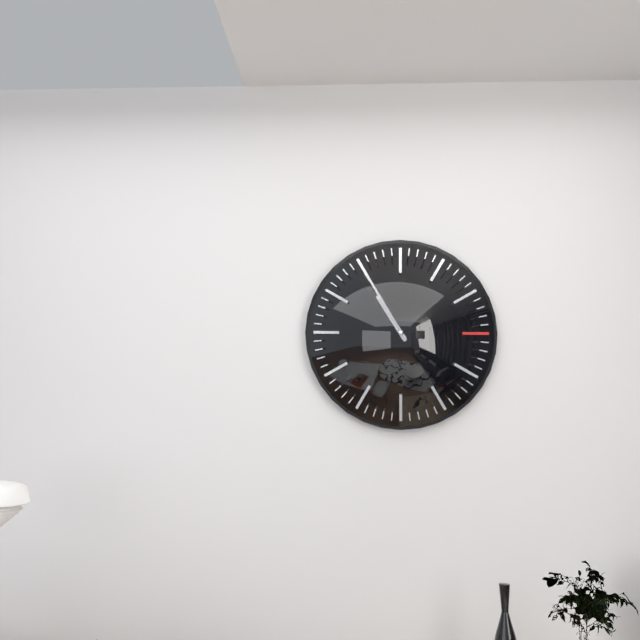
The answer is 10:55
